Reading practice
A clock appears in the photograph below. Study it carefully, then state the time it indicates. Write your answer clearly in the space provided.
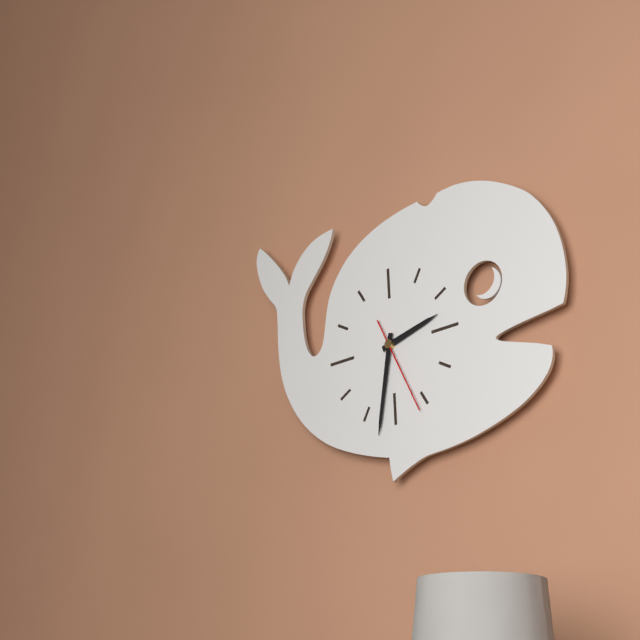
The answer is 2:32:26
